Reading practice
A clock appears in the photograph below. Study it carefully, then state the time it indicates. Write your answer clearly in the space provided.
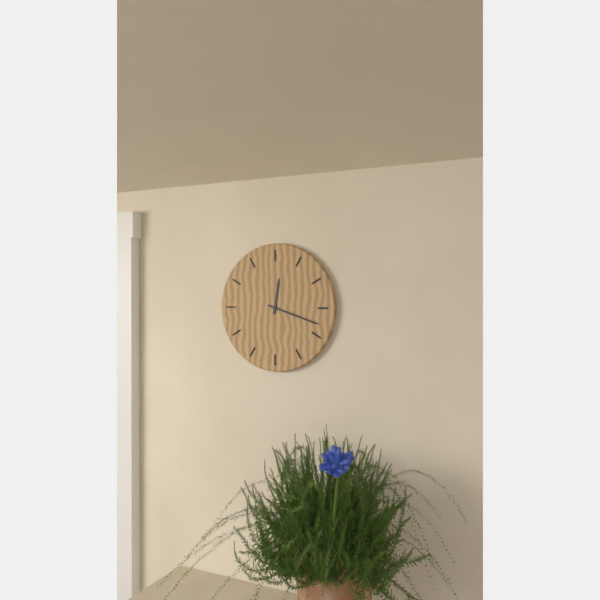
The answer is 12:18
